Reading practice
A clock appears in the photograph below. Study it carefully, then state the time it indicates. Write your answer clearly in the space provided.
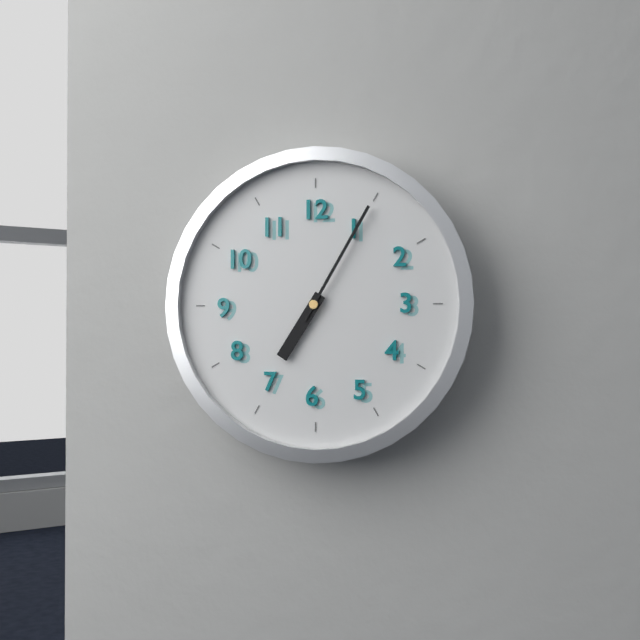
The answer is 7:05
